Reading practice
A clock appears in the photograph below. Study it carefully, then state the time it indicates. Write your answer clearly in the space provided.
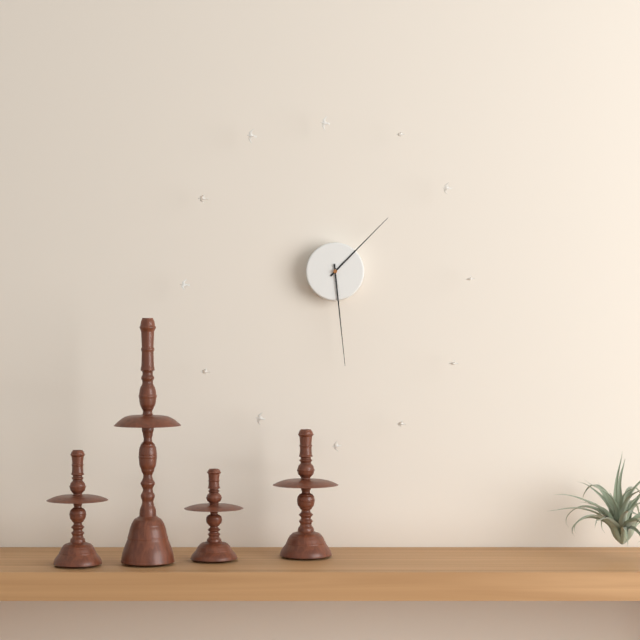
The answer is 1:29
